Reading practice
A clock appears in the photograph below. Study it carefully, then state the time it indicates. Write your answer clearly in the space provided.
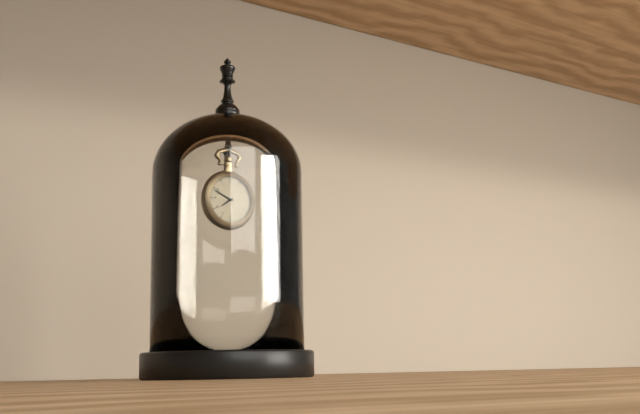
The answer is 7:49
